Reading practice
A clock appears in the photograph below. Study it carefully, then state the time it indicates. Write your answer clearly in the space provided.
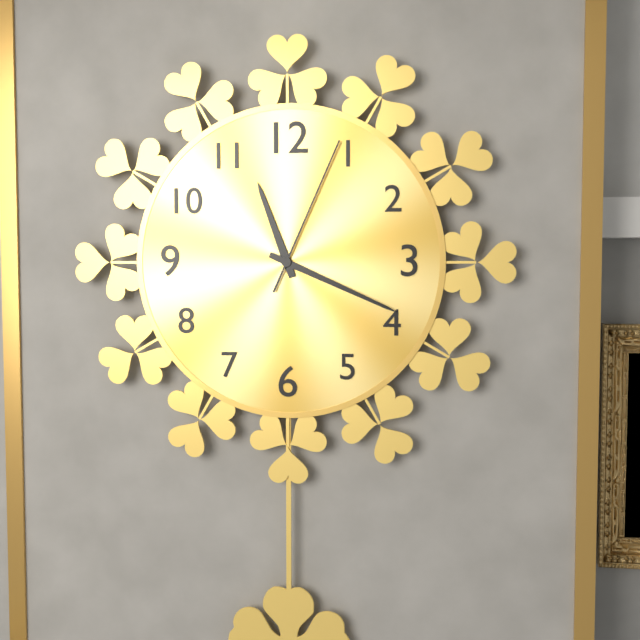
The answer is 11:19:04
